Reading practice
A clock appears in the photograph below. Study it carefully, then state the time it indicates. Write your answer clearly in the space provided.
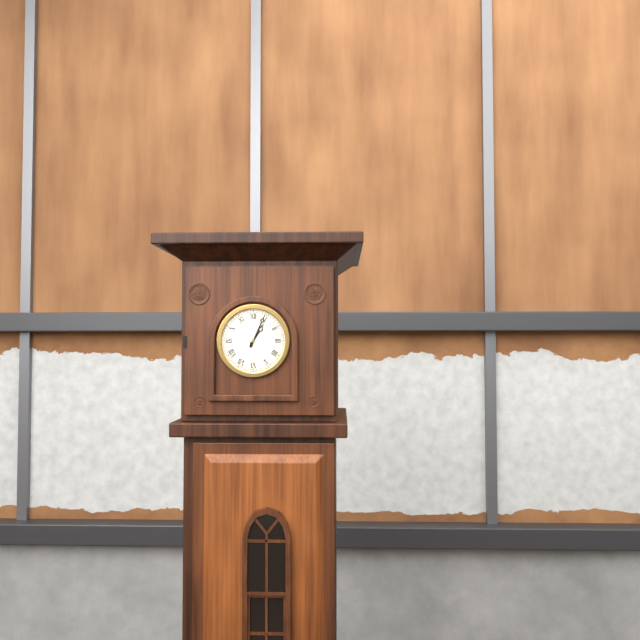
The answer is 1:04
